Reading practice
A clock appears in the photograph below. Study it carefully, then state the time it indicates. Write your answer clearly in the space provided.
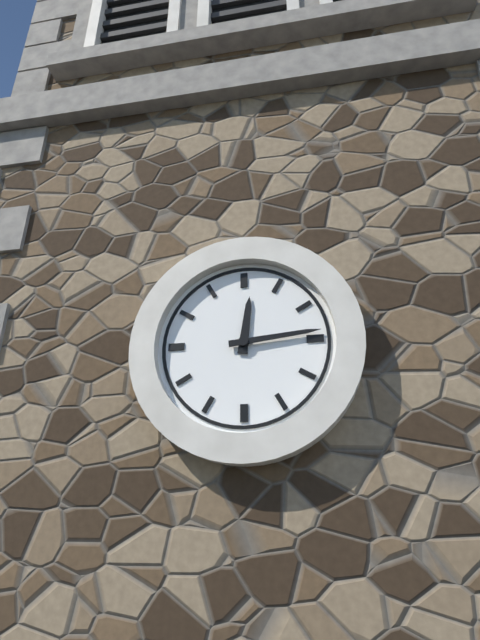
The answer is 12:14
